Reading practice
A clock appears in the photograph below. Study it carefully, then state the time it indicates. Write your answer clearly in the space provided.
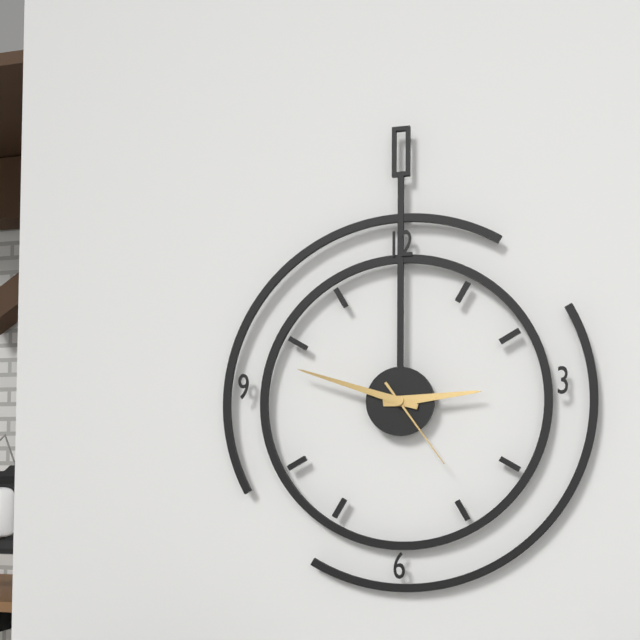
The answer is 2:48:24
